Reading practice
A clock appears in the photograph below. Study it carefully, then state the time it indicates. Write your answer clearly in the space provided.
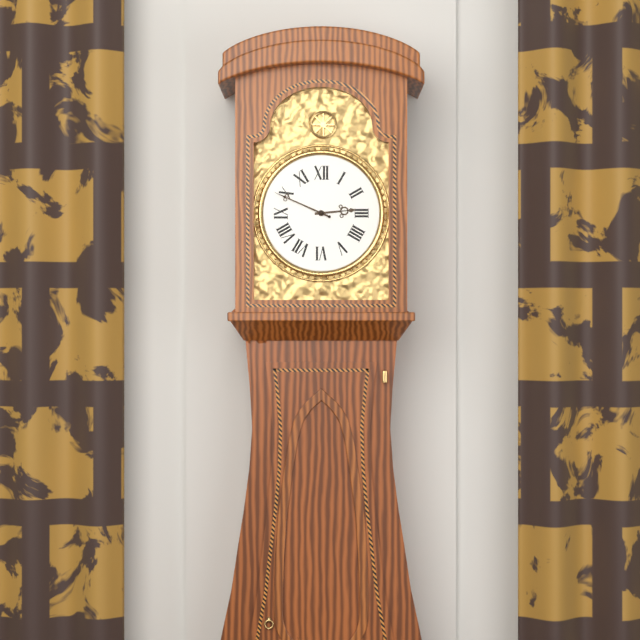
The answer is 2:49
